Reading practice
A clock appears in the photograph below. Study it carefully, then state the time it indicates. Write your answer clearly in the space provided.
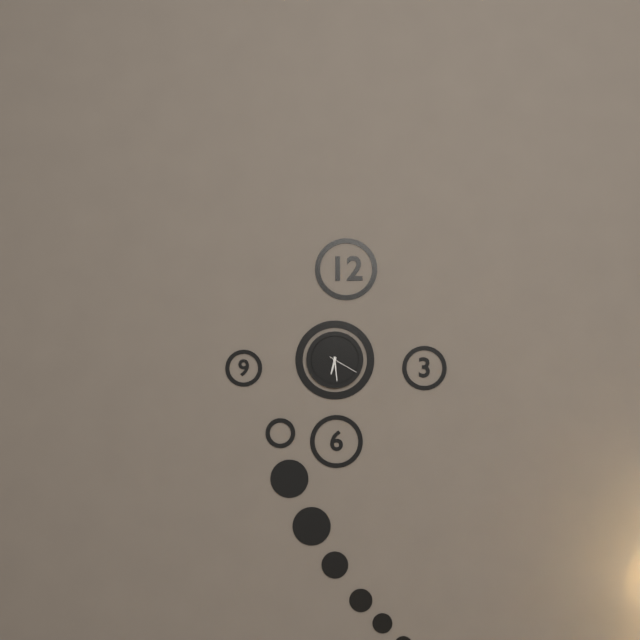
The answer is 6:29
